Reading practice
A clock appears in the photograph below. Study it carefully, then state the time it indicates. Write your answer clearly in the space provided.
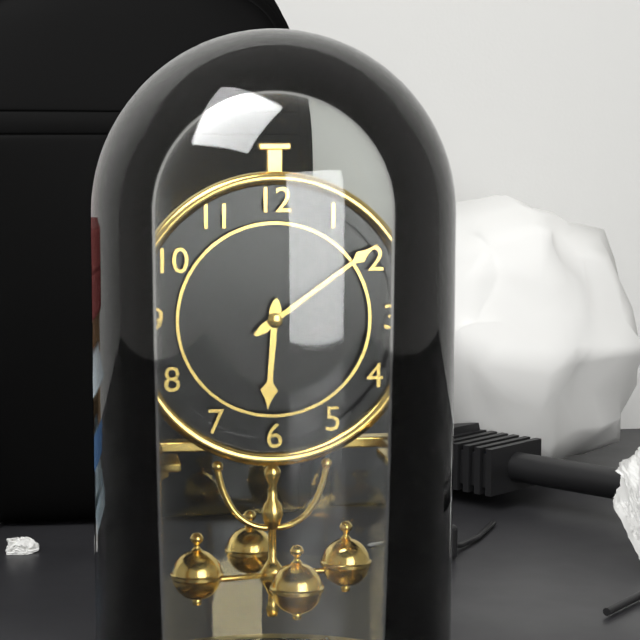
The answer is 6:09
